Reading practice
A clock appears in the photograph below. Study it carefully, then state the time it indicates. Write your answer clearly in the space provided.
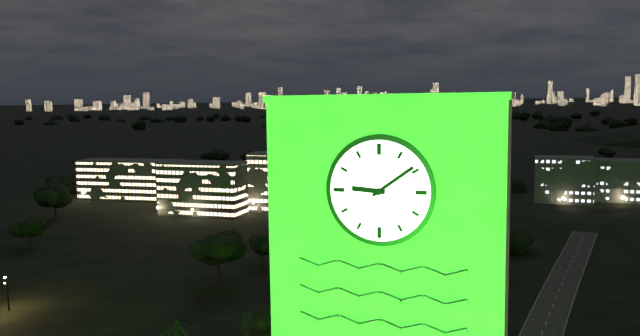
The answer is 9:09
